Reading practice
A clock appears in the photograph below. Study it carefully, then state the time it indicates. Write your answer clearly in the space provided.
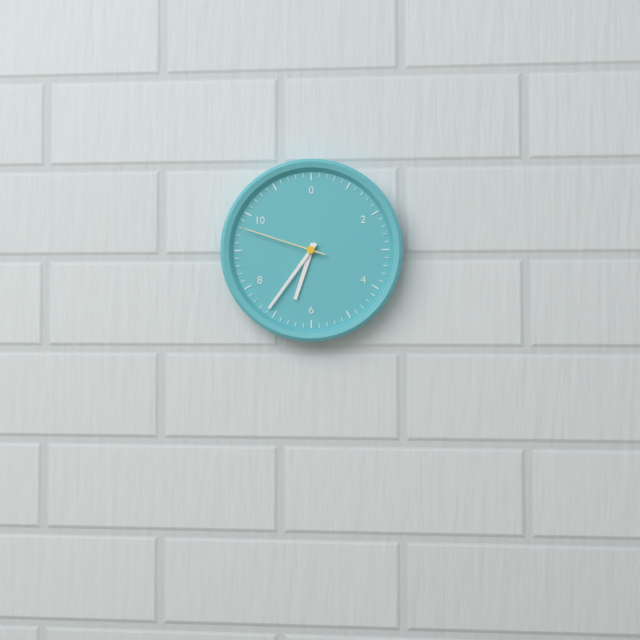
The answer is 6:36:48
